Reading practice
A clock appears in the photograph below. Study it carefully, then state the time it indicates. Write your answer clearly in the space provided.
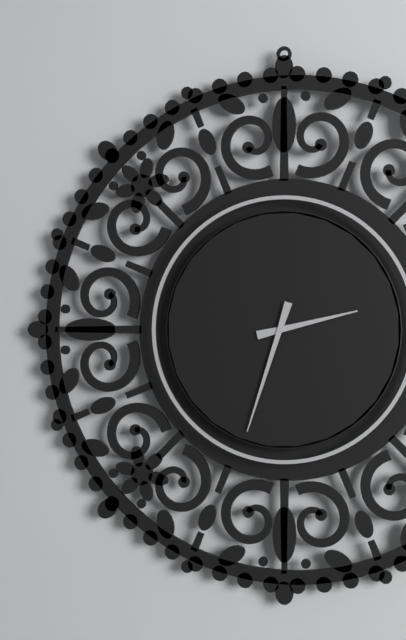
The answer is 2:33
